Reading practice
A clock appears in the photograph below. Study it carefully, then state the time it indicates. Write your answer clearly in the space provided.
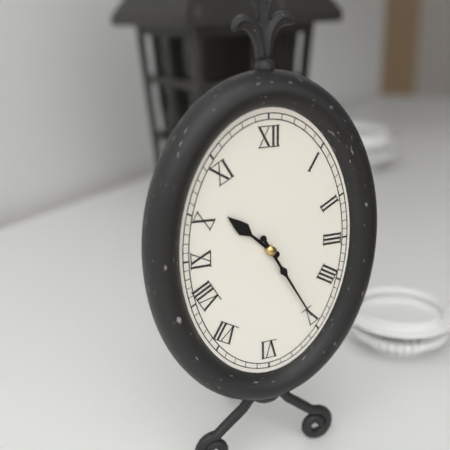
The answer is 10:25
